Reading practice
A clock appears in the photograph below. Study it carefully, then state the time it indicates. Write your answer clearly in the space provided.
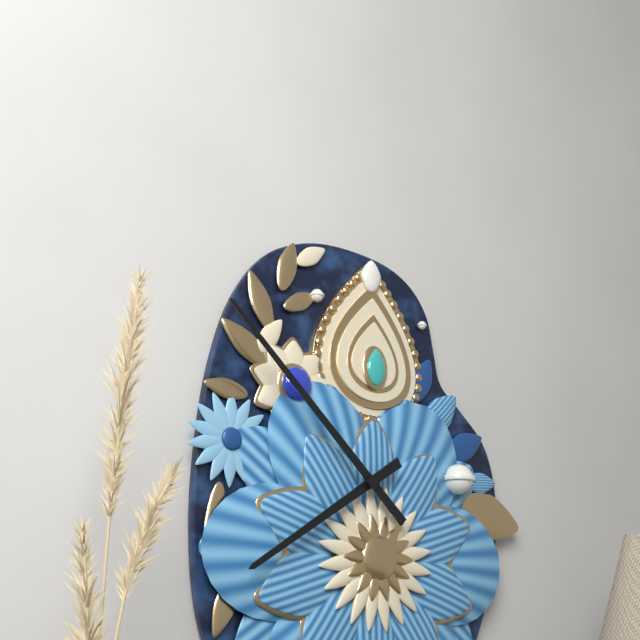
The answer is 7:52
